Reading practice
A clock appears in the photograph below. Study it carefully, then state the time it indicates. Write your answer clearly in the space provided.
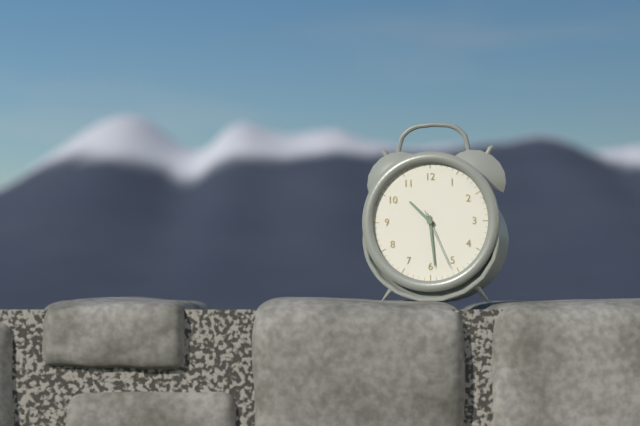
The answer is 10:29:26
